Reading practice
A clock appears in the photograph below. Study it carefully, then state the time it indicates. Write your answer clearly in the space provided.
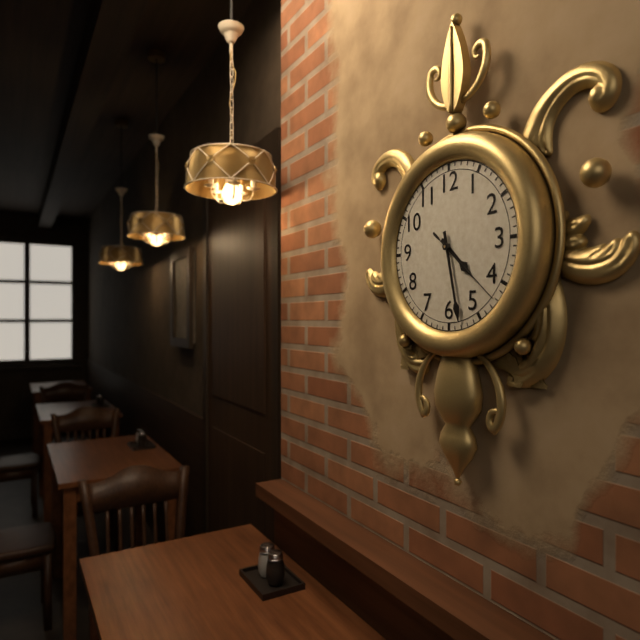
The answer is 4:28:22
